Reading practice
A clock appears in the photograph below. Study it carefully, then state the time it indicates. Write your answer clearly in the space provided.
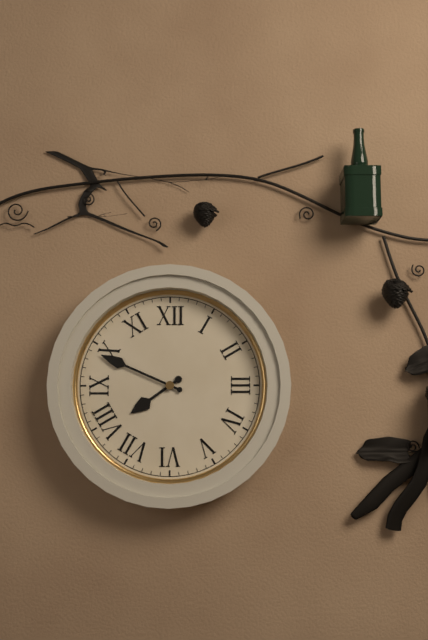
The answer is 7:49
